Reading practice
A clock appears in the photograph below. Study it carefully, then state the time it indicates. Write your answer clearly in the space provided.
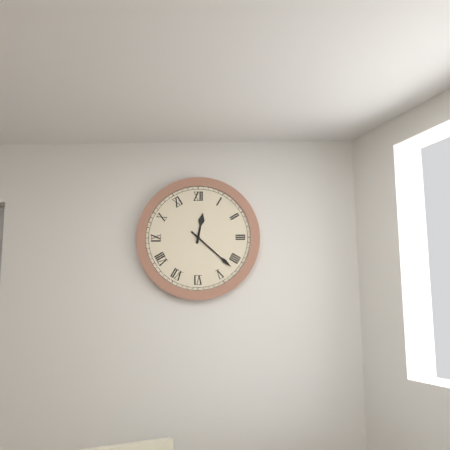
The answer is 12:22
